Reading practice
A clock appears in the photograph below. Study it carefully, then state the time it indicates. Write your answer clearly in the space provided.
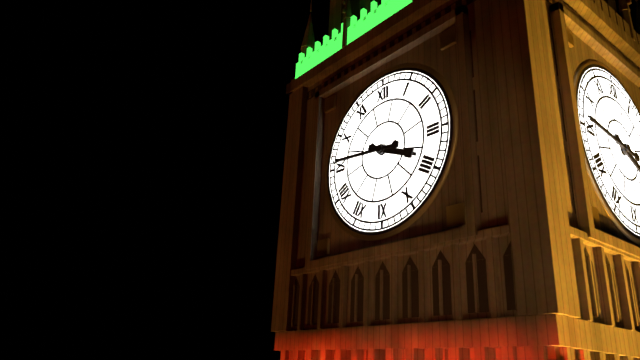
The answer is 3:46
